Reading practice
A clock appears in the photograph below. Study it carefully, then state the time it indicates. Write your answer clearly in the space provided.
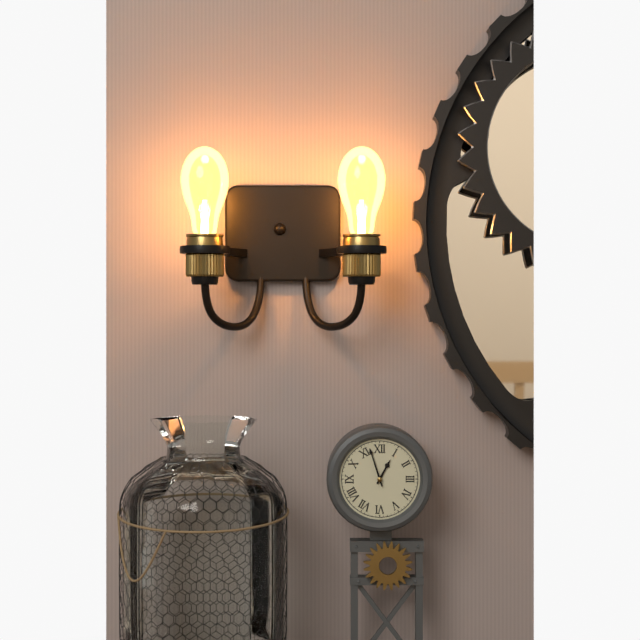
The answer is 12:57
